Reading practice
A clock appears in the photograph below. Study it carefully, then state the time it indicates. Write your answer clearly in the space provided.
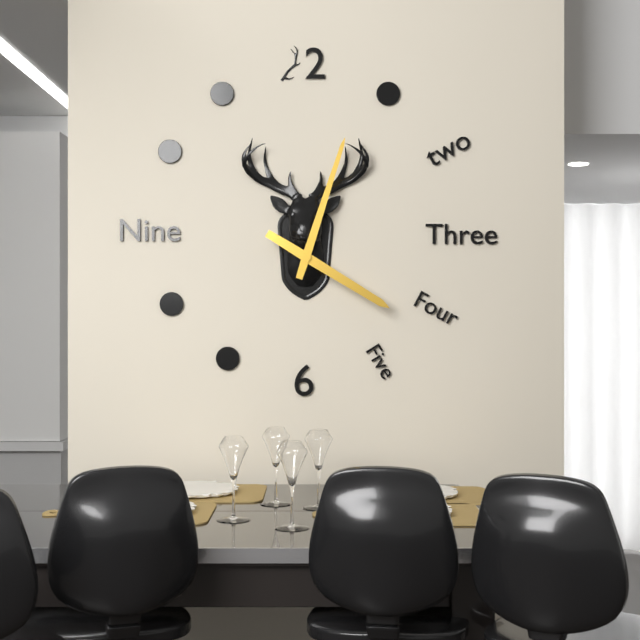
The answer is 4:03
